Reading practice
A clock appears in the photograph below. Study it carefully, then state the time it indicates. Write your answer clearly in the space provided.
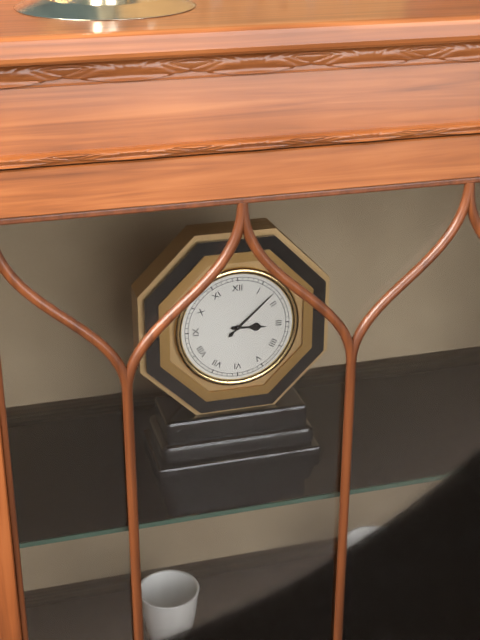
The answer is 3:08
